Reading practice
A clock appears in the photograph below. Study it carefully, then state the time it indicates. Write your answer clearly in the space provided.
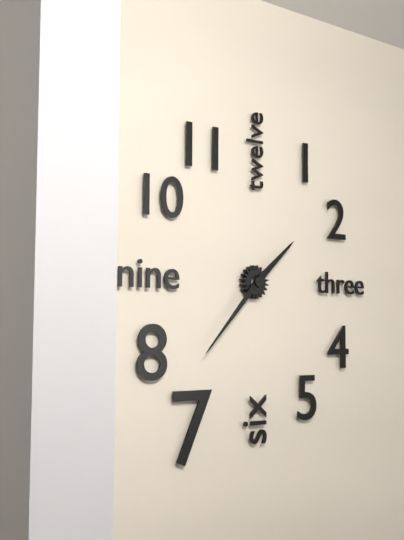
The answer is 1:37
